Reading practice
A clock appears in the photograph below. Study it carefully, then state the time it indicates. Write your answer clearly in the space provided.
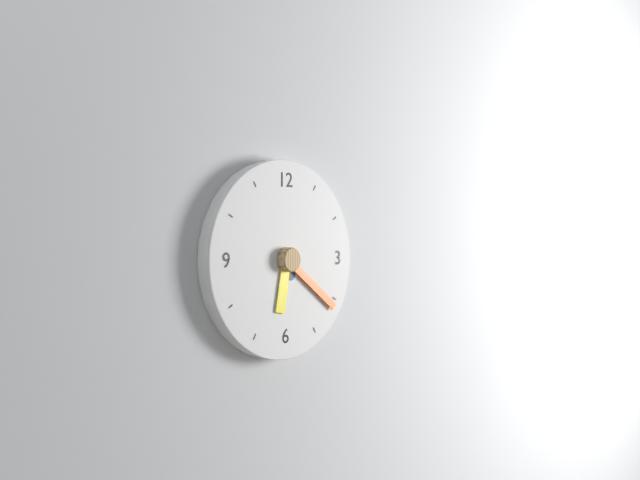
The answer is 6:21
